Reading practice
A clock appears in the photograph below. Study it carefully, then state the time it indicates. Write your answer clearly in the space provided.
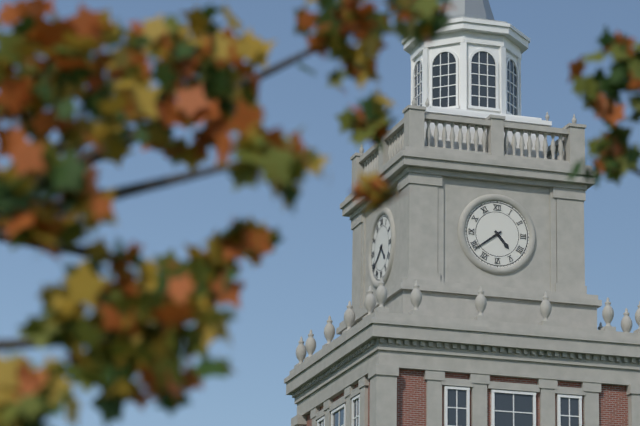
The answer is 4:39
